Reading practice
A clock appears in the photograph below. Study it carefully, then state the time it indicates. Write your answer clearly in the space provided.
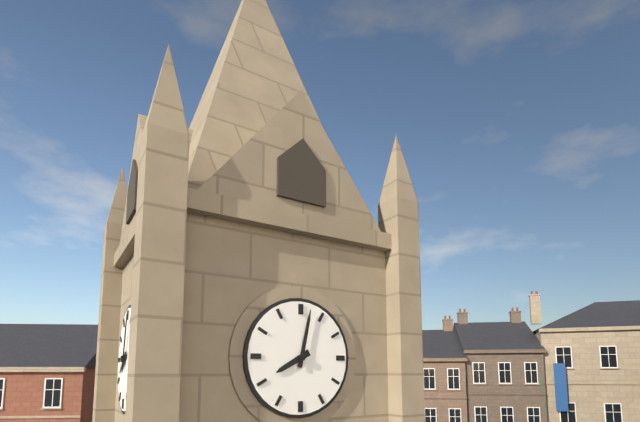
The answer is 8:02
